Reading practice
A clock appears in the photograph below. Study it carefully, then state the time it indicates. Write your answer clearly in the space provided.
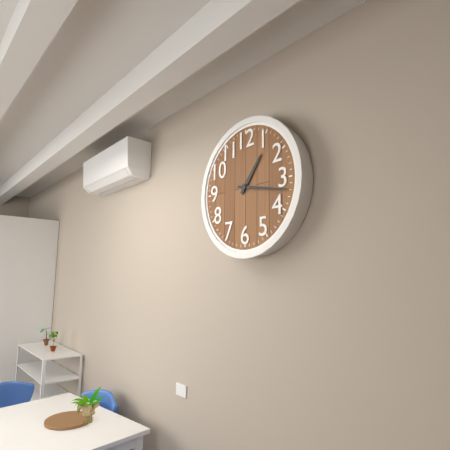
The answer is 1:17
